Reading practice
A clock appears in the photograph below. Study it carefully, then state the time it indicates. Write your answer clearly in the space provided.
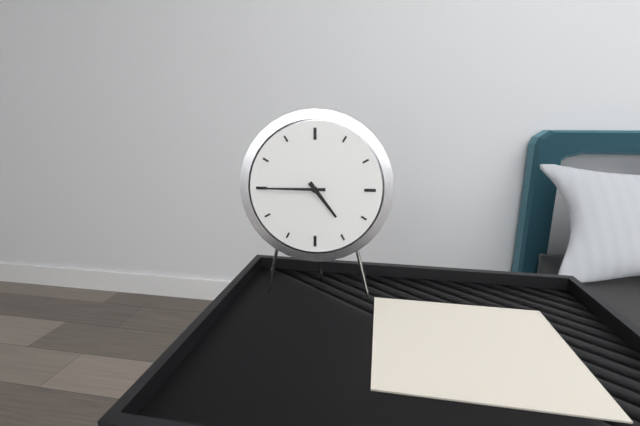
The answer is 4:45
